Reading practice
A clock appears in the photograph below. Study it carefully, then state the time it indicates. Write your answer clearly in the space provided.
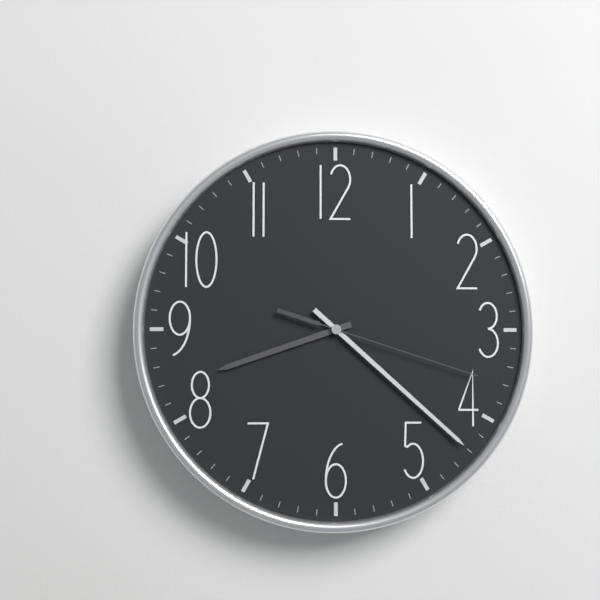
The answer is 8:22:18
